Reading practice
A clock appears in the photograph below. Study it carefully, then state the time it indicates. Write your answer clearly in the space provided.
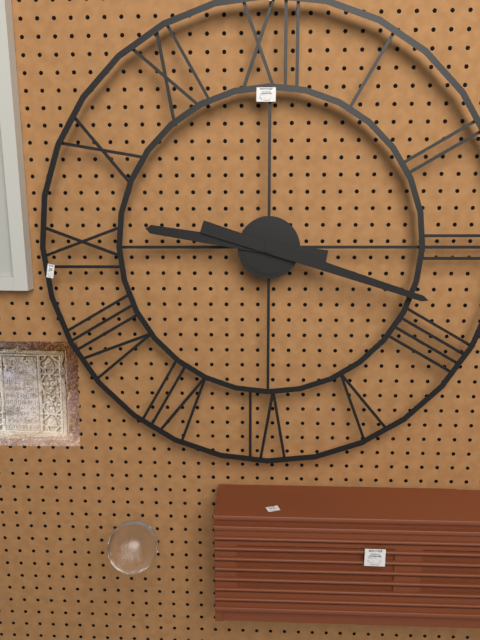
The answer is 9:18
